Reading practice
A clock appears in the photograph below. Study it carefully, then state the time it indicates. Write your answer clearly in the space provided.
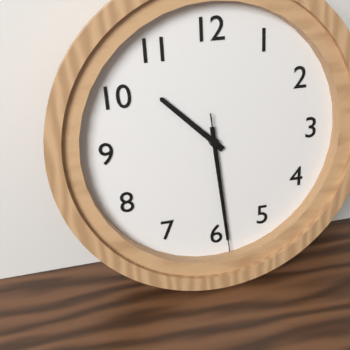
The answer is 10:29:29
